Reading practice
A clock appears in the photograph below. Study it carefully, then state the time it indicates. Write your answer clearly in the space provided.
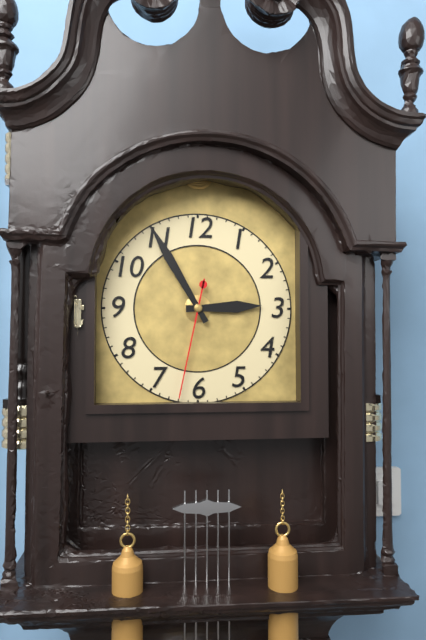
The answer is 2:55:32
